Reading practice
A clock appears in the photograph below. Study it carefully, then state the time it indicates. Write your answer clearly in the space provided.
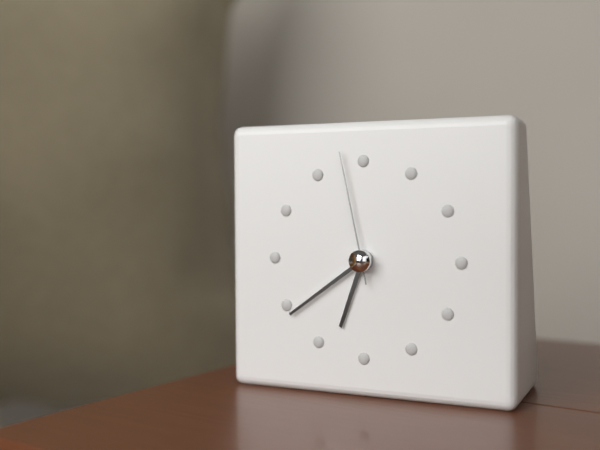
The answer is 6:39:58
